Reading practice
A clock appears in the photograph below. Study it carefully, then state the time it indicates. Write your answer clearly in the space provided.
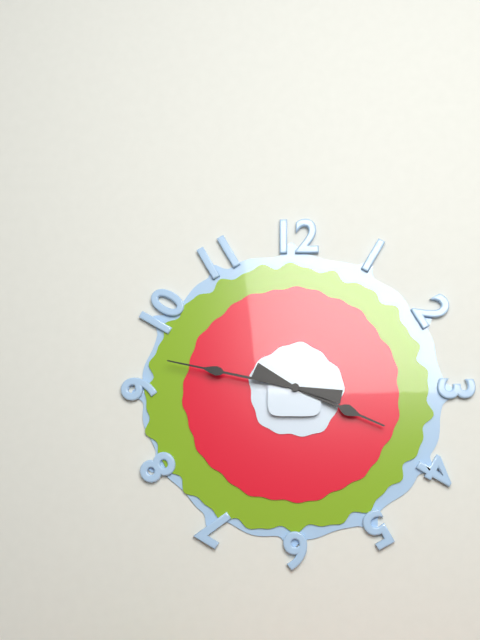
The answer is 3:47
